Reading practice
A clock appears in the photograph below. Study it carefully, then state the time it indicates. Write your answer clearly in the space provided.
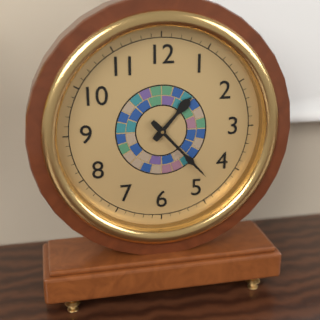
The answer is 1:23
